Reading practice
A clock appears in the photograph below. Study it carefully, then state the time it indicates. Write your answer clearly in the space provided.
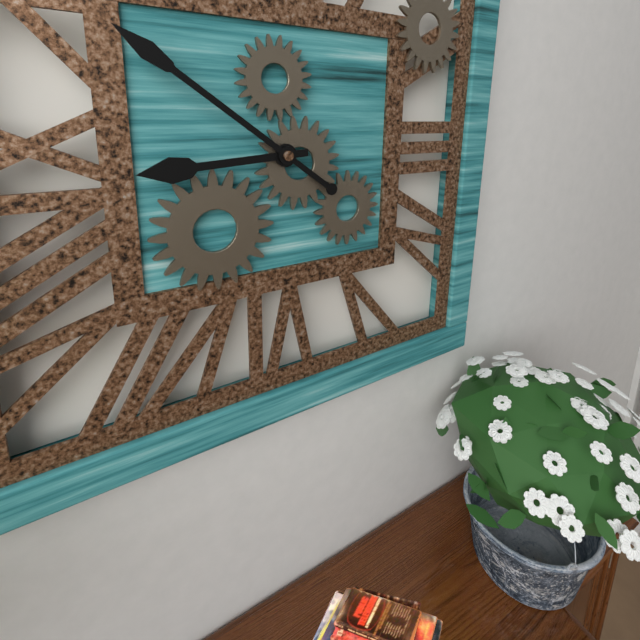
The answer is 8:51
